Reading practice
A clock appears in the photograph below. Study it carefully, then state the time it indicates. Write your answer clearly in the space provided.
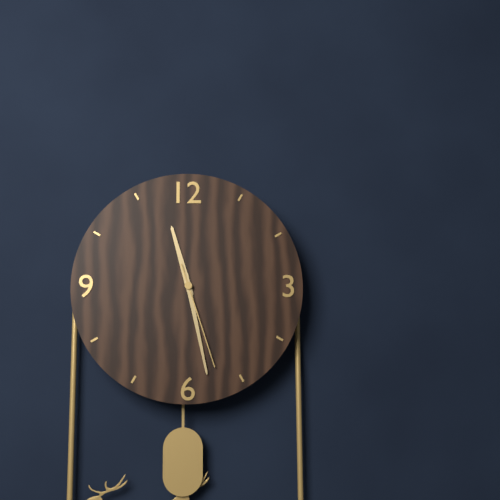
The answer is 11:28:27
